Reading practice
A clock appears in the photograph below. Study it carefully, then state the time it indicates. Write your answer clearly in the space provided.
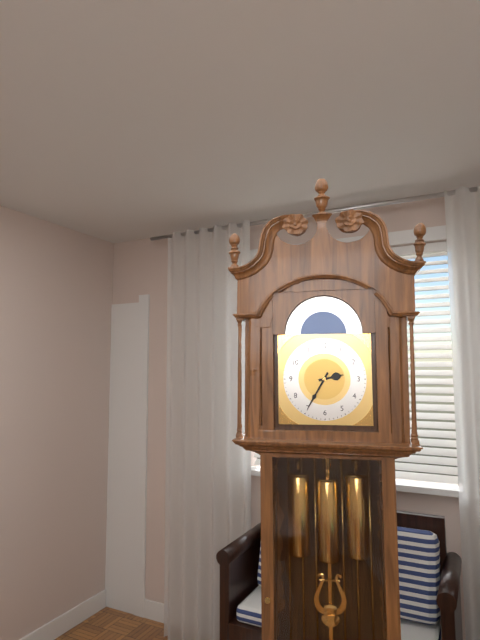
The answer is 2:35
